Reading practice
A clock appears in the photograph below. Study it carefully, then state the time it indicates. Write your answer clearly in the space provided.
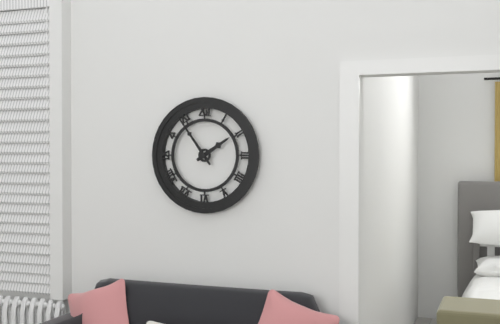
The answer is 1:54
